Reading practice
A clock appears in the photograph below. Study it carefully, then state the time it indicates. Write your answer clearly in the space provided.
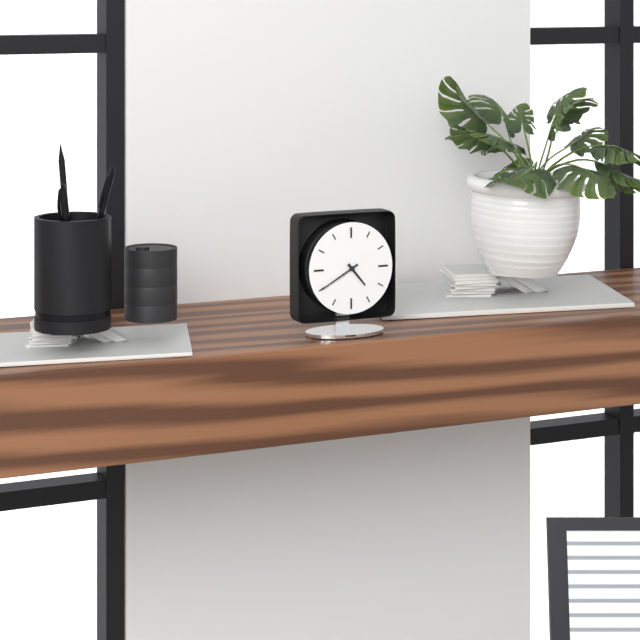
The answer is 4:40
